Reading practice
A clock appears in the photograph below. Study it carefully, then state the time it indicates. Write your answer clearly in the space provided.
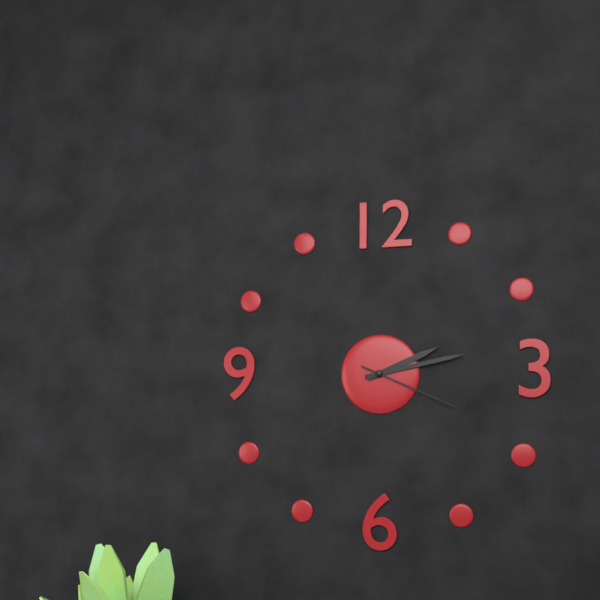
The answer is 2:13:19
